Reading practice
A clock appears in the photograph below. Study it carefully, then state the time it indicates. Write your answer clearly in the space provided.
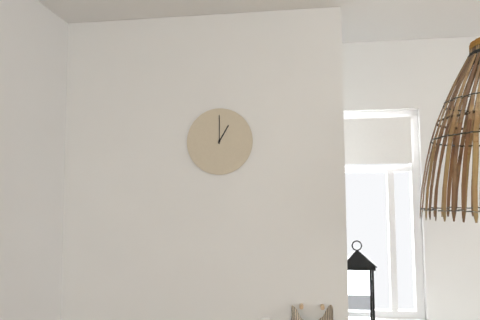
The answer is 1:00
